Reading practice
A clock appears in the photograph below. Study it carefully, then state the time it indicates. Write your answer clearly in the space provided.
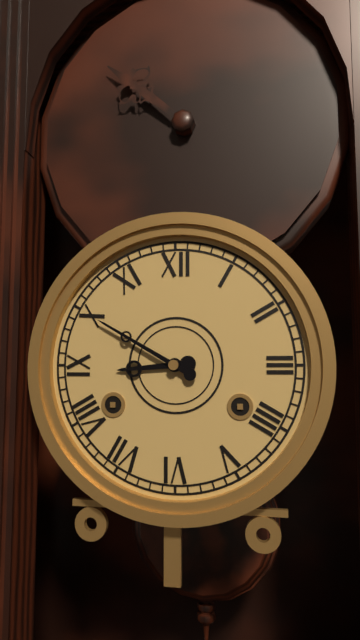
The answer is 8:50
